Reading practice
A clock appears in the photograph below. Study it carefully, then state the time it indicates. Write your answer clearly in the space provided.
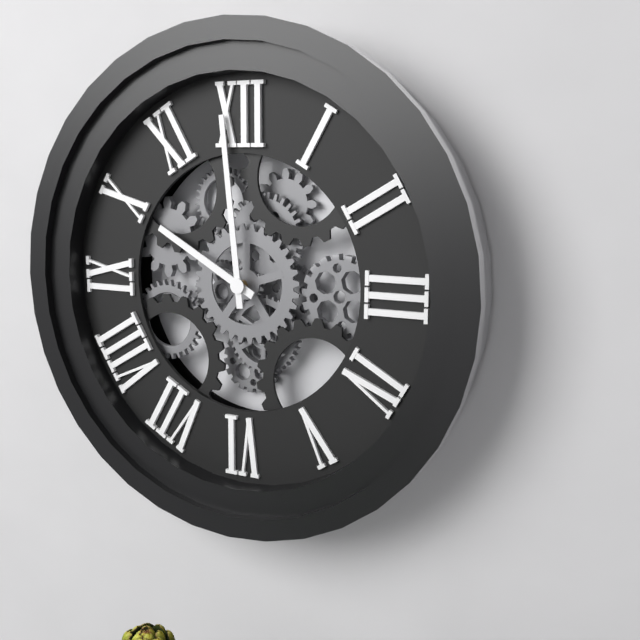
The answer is 9:59
